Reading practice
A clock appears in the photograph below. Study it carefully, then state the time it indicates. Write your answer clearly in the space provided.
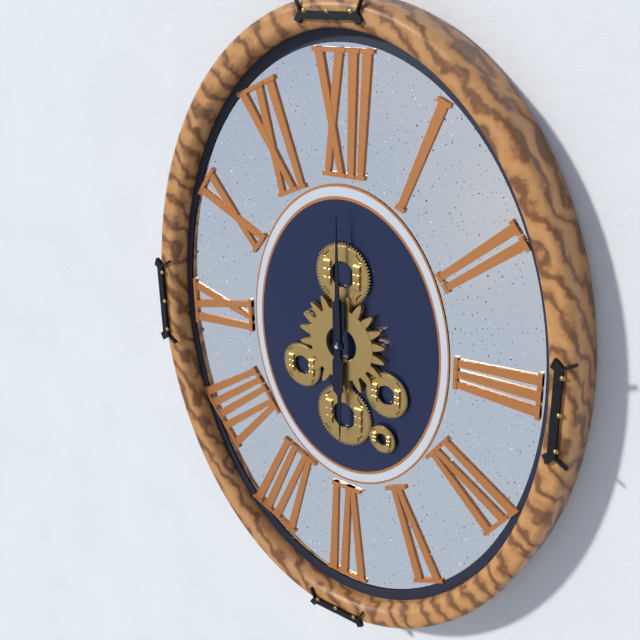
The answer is 6:00
